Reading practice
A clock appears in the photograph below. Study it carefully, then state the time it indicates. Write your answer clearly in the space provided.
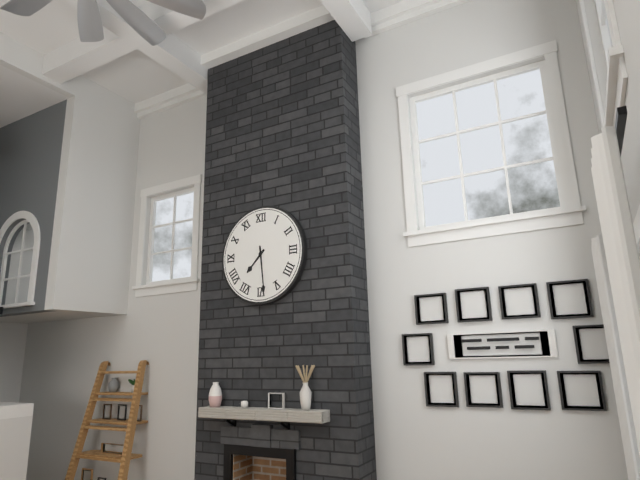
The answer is 7:29
